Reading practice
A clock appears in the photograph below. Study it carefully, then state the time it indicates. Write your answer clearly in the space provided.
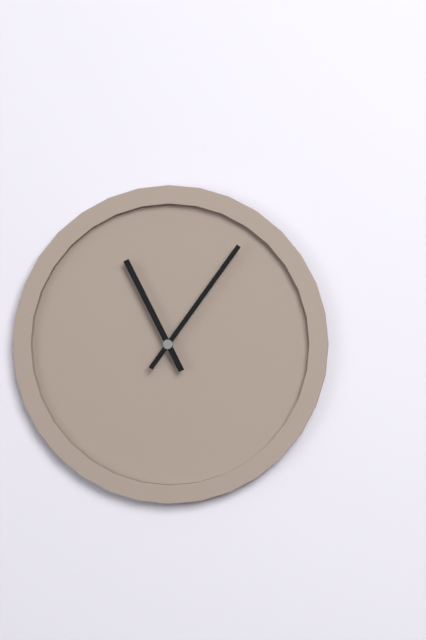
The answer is 11:06
